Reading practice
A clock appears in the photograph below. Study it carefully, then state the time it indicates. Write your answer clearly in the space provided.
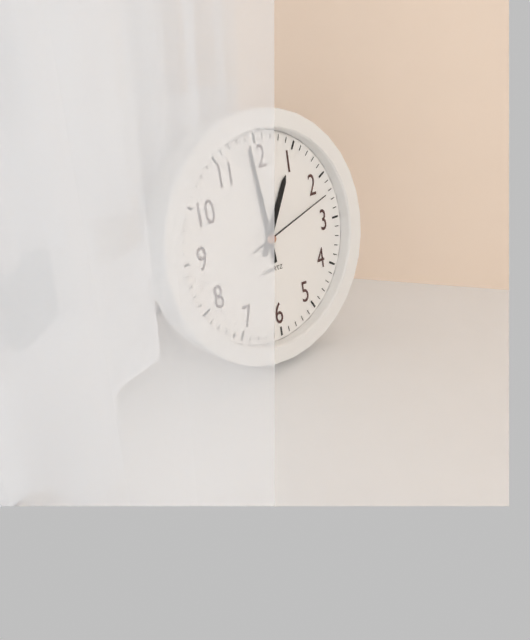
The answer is 12:59:12
